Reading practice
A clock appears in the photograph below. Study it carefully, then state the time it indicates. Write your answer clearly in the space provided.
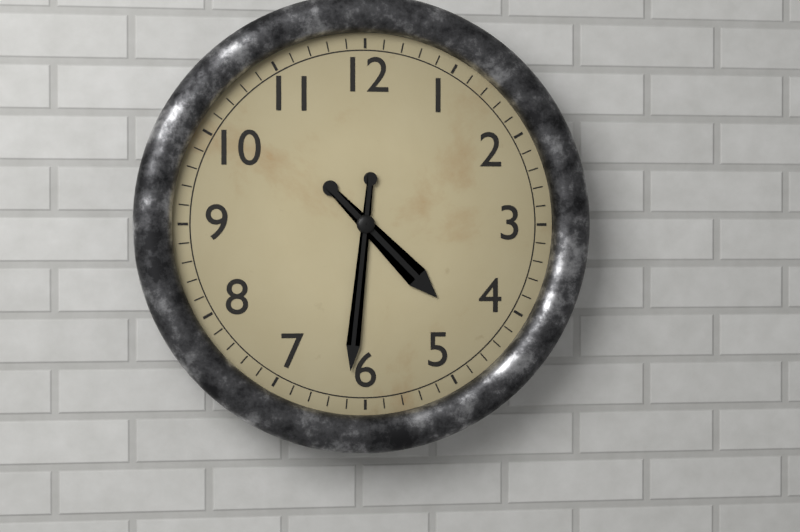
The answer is 4:31
